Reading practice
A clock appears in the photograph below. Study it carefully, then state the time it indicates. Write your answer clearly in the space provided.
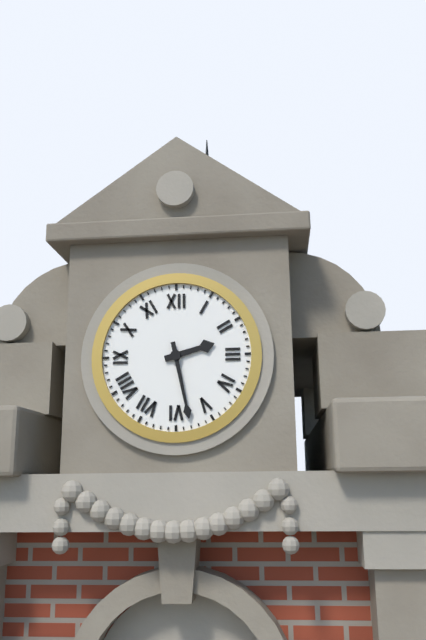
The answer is 2:28
